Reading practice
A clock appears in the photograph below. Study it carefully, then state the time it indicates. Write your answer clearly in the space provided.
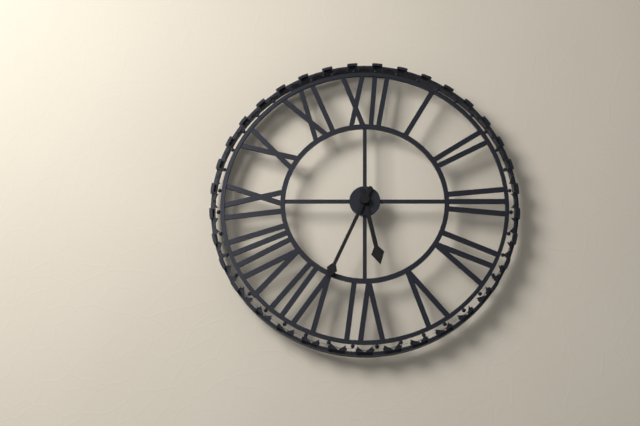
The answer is 5:34
